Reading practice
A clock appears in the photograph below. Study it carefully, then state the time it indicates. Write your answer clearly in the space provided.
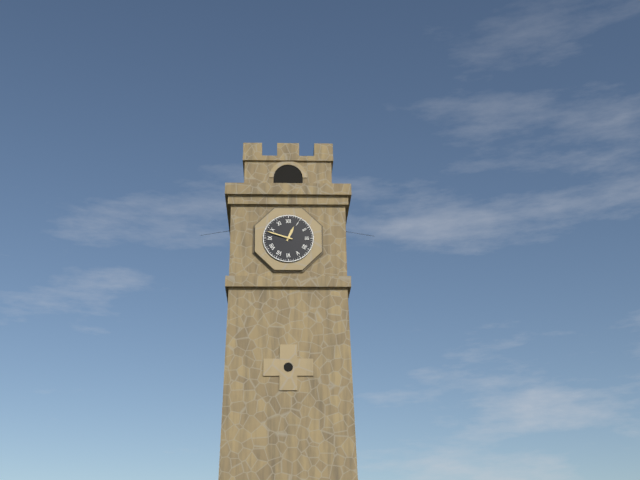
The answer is 12:48
